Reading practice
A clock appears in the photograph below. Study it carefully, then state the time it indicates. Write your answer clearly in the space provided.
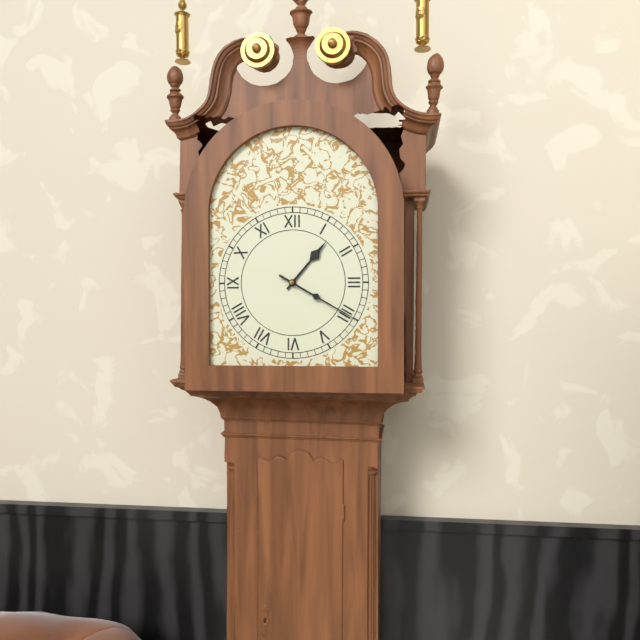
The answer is 1:20
